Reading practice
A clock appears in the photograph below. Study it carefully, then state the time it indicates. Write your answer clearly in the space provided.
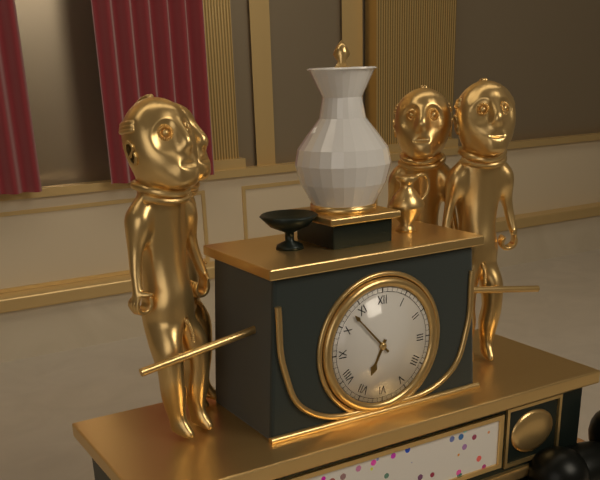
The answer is 6:53
